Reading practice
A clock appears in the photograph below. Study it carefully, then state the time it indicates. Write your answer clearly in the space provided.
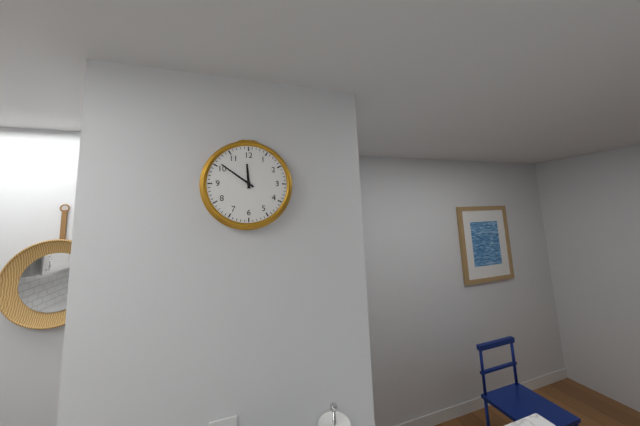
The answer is 11:51
